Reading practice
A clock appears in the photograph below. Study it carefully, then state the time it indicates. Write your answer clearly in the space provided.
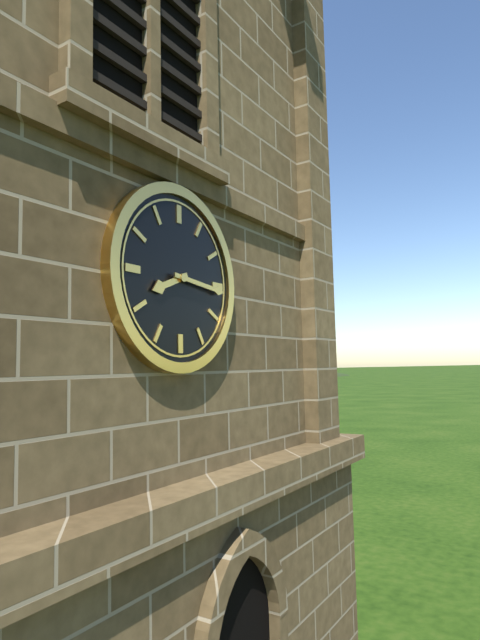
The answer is 8:16
